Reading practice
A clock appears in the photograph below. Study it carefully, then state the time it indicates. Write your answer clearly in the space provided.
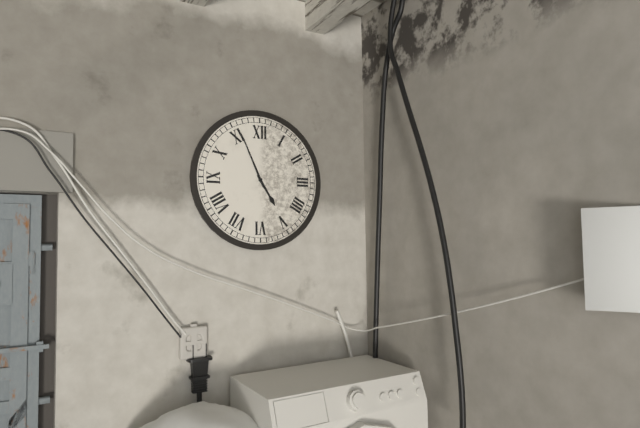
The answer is 4:56
